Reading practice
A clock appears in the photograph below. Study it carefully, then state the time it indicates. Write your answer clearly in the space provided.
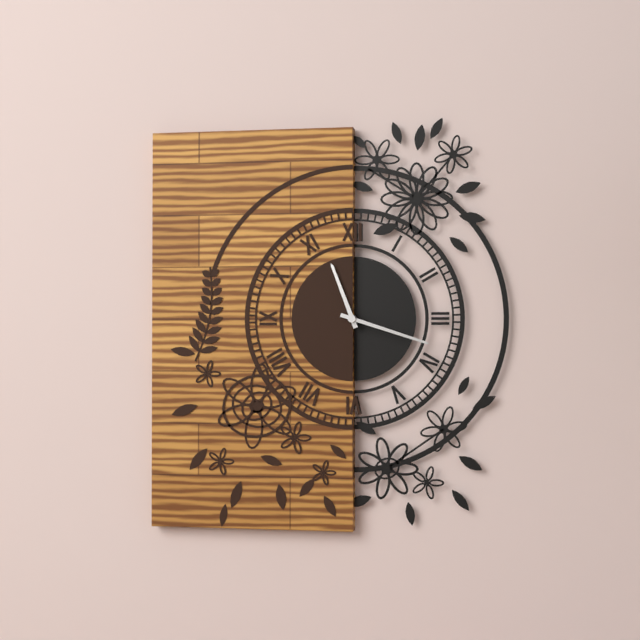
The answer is 11:18
